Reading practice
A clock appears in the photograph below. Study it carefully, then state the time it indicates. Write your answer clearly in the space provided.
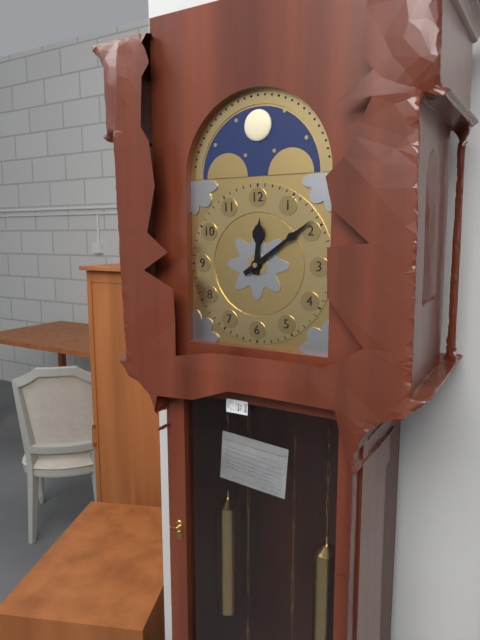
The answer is 12:09
